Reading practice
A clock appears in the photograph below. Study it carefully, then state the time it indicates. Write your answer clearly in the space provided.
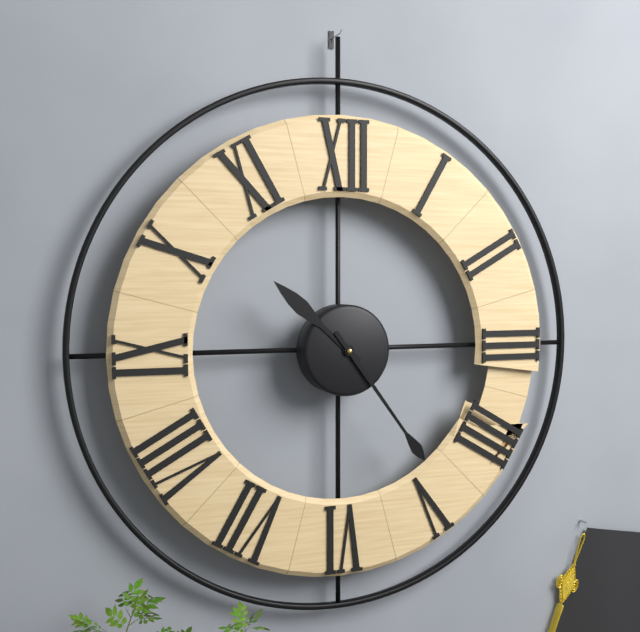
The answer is 10:24
